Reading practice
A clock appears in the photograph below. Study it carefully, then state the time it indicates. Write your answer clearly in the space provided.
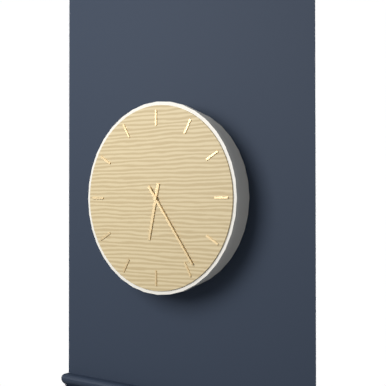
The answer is 6:24
